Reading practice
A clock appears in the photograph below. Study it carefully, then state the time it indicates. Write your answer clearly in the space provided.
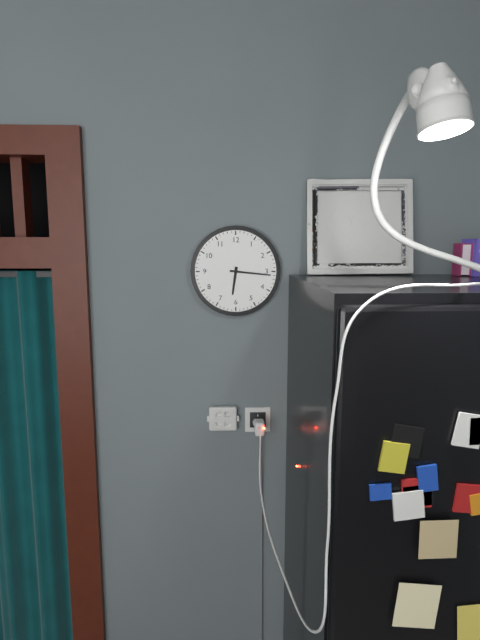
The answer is 6:16
